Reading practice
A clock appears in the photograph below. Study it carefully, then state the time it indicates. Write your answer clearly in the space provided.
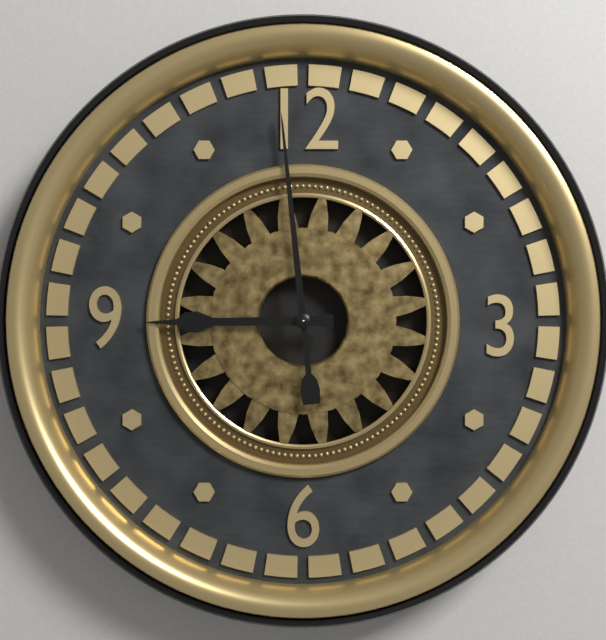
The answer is 8:59
